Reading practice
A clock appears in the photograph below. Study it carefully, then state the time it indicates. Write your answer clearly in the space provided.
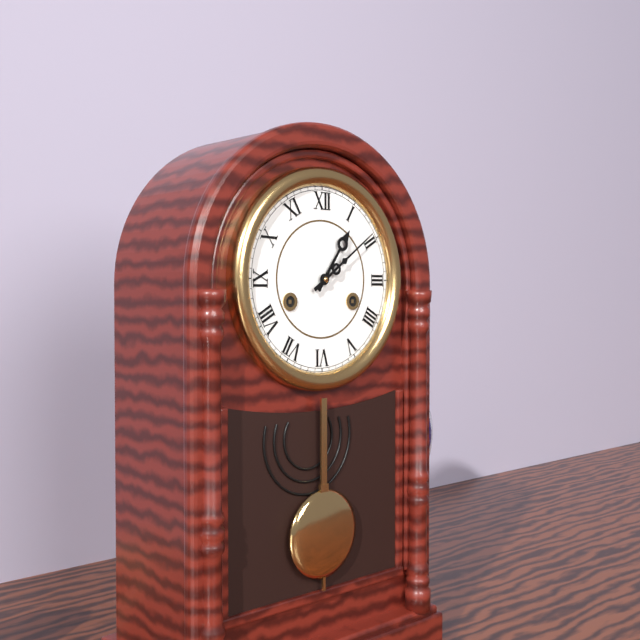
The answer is 1:09
